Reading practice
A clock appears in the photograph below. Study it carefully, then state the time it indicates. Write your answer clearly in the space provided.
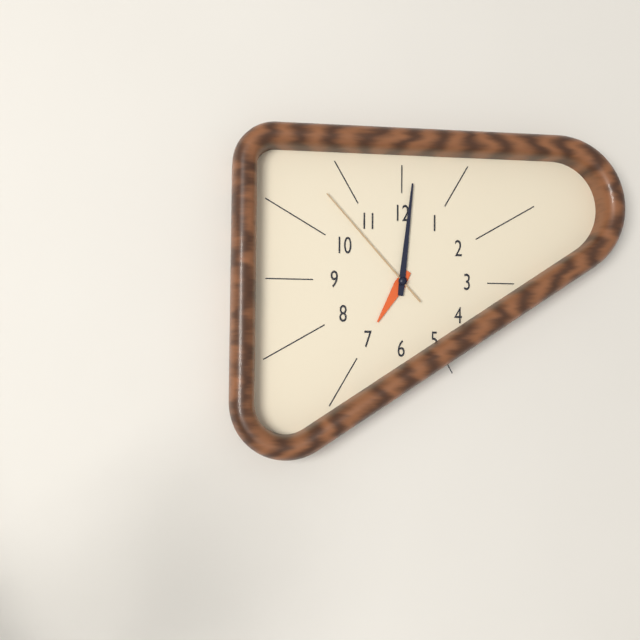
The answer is 7:01:53
